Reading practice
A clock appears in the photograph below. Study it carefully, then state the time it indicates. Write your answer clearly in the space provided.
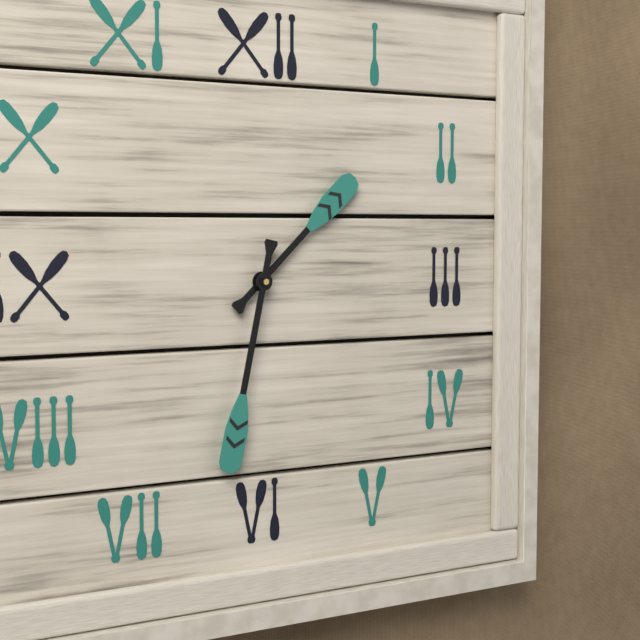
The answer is 1:32
